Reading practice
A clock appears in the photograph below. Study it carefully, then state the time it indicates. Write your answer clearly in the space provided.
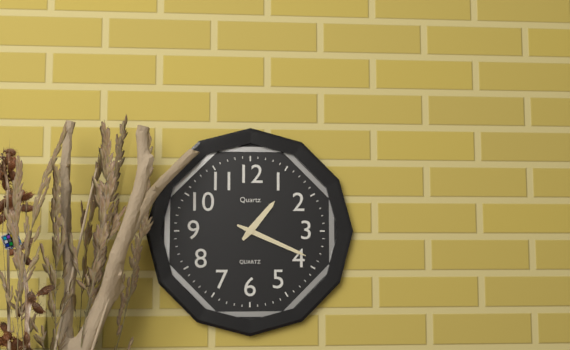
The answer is 1:19
